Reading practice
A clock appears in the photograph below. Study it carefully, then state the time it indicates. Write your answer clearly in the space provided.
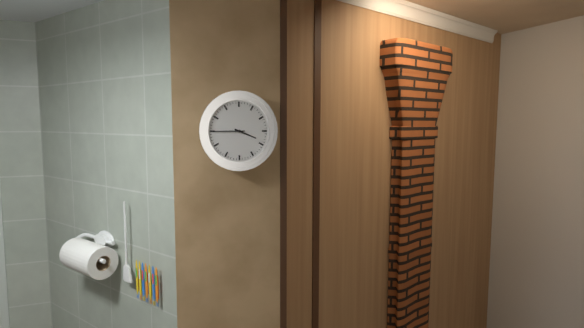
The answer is 3:45
